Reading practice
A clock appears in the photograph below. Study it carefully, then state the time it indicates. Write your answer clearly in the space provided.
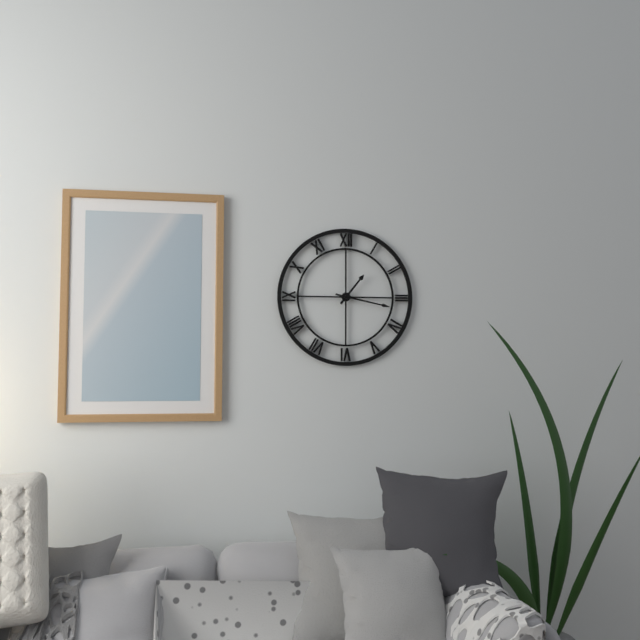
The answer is 1:17
